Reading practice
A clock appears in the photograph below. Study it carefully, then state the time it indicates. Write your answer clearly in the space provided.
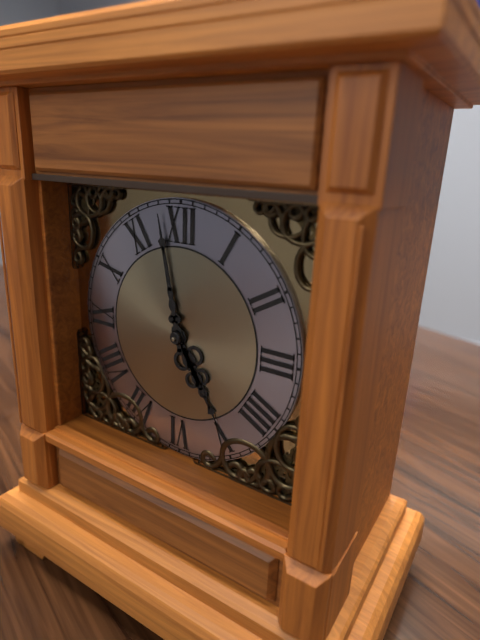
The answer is 4:58
